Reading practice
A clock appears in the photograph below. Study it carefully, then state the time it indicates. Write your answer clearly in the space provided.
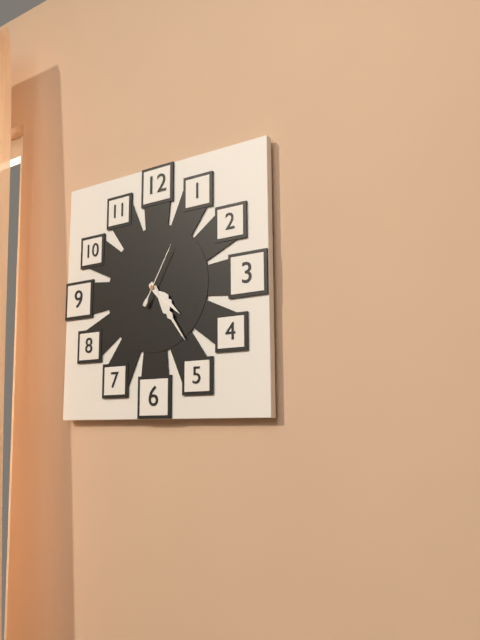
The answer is 4:24:05
